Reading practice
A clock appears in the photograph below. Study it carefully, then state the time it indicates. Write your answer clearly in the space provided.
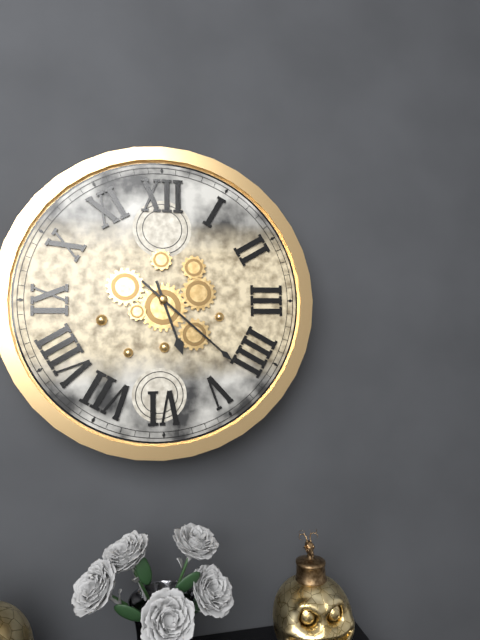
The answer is 5:22
